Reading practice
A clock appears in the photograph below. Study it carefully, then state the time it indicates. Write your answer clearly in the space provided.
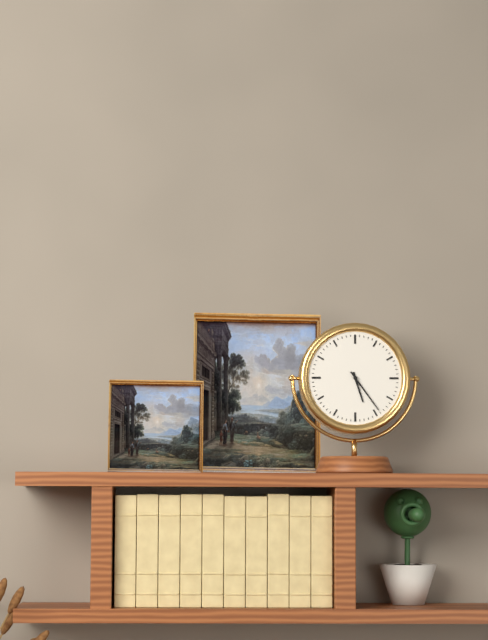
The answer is 5:24
